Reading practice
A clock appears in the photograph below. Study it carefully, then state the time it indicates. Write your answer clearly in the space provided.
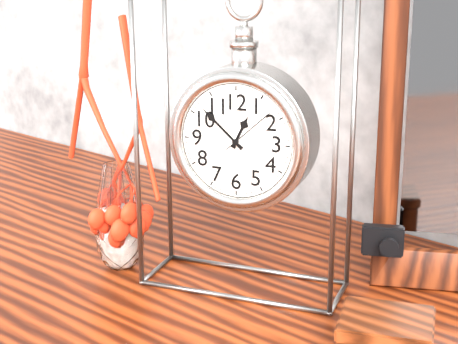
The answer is 12:52
